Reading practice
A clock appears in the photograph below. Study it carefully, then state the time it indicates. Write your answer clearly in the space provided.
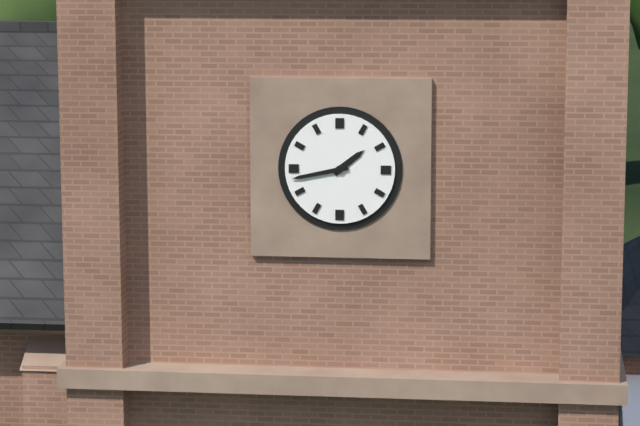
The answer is 1:43
